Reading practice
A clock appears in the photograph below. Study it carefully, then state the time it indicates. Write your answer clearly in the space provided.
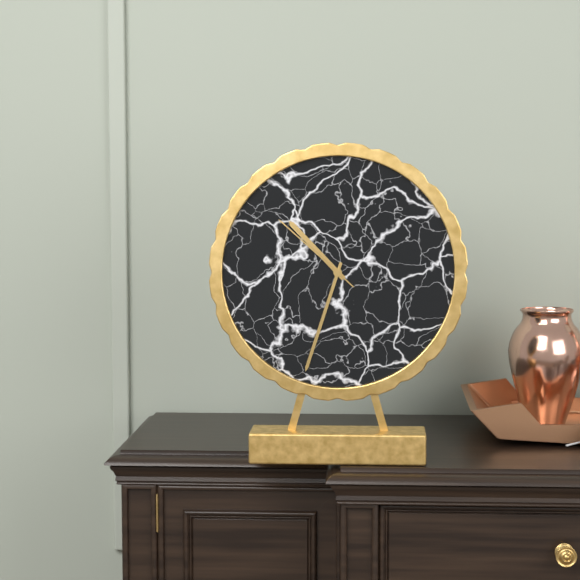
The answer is 10:33:52
